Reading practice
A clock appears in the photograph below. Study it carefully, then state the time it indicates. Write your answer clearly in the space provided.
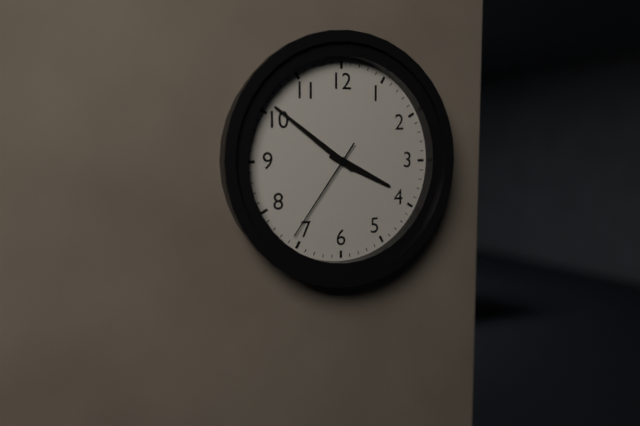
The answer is 3:51:36
